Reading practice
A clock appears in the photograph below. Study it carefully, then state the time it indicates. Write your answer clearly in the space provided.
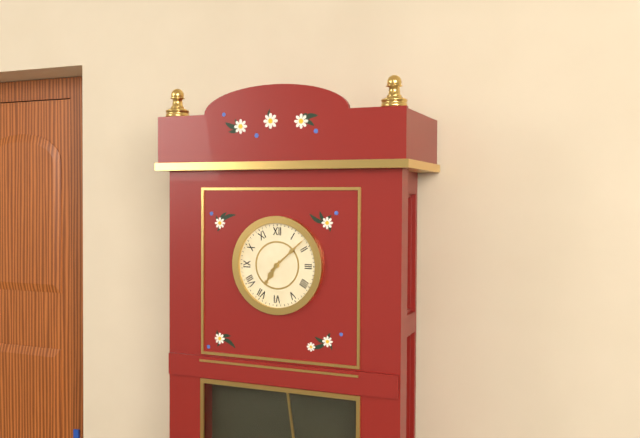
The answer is 7:08
